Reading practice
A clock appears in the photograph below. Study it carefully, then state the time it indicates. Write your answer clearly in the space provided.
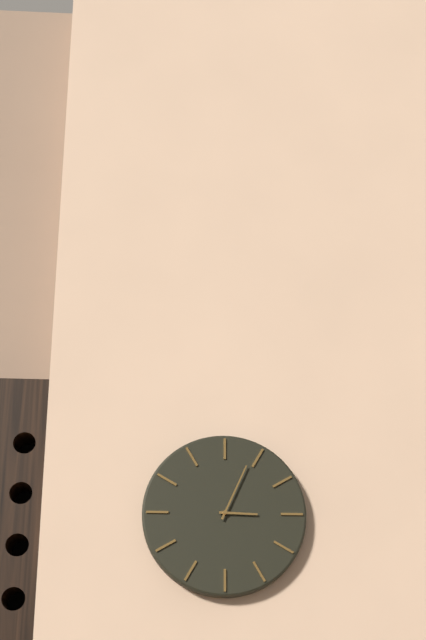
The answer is 3:04
